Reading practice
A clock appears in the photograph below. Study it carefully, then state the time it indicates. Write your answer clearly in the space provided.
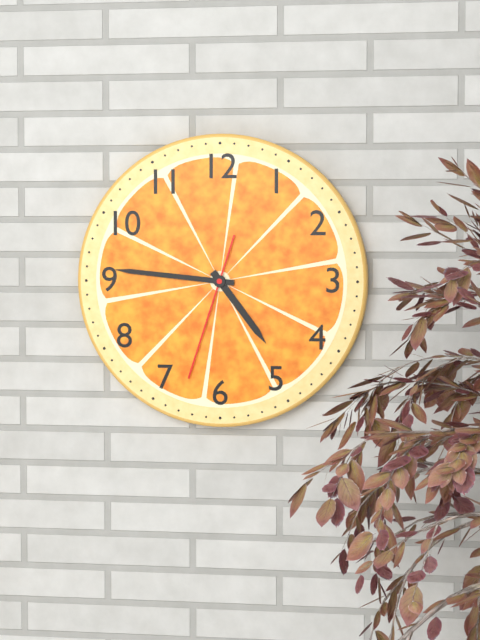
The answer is 4:46:33
